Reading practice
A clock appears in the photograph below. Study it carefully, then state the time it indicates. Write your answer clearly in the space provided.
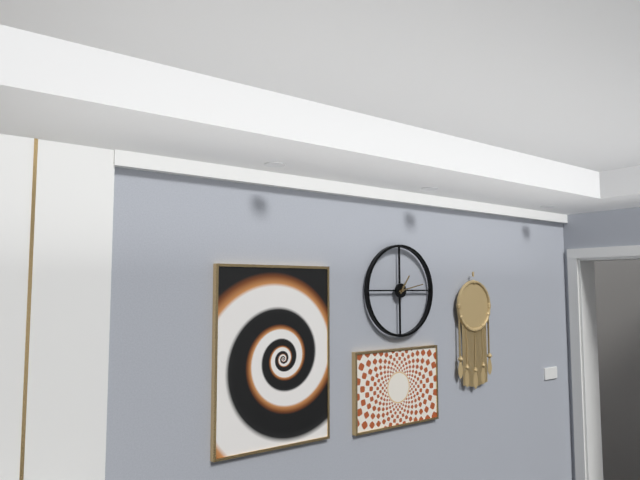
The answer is 1:13
